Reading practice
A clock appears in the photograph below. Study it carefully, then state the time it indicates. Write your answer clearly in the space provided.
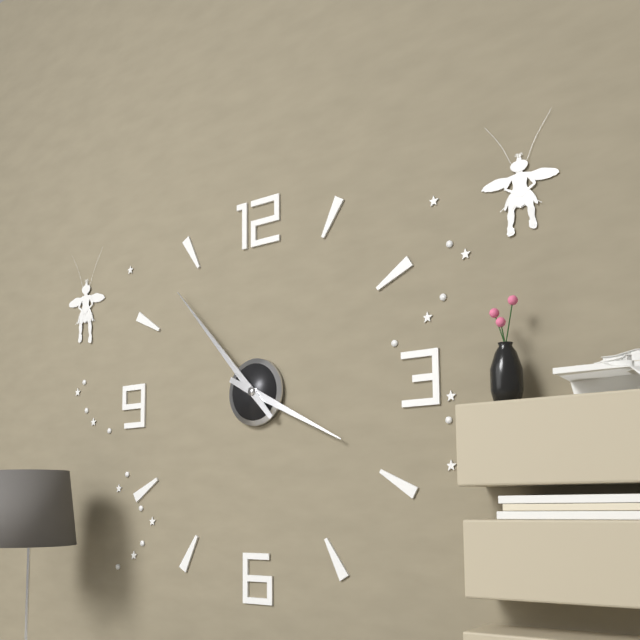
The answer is 3:53
